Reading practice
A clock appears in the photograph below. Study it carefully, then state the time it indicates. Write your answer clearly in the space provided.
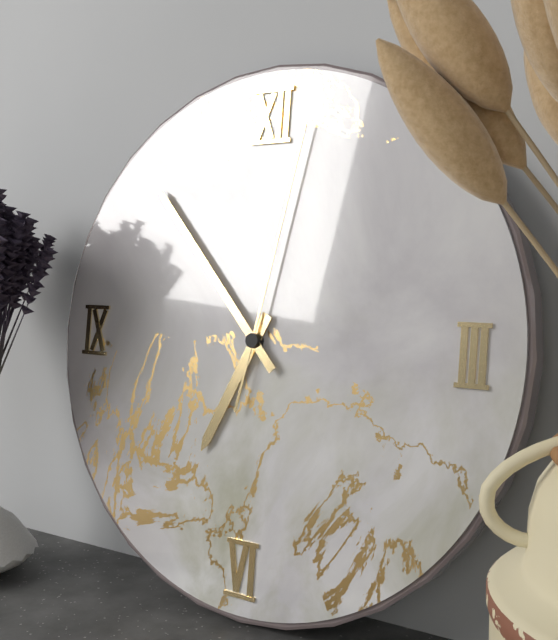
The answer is 6:53:02
